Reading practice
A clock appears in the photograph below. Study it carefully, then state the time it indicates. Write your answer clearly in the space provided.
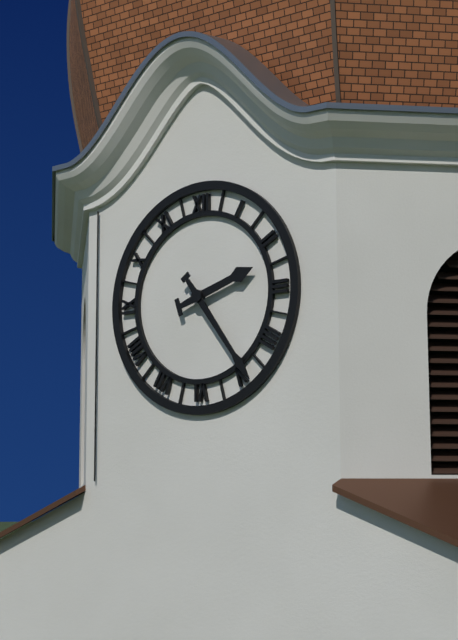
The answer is 2:24
